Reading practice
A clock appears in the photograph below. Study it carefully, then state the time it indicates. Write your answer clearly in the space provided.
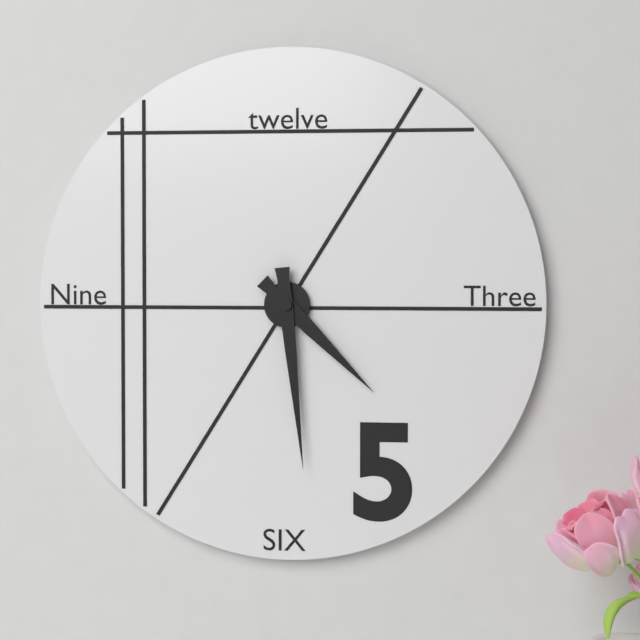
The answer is 4:29
